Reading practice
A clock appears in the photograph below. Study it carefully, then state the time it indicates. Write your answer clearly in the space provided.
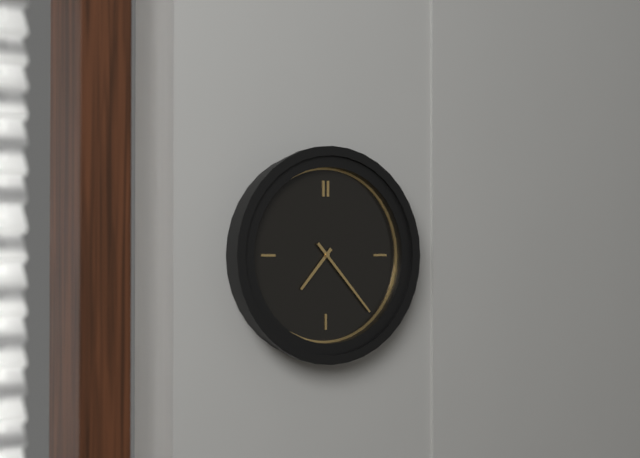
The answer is 7:23
